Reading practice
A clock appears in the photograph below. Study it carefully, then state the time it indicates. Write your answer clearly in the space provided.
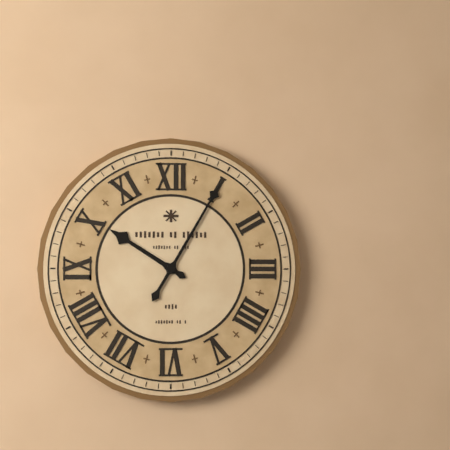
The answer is 10:05
